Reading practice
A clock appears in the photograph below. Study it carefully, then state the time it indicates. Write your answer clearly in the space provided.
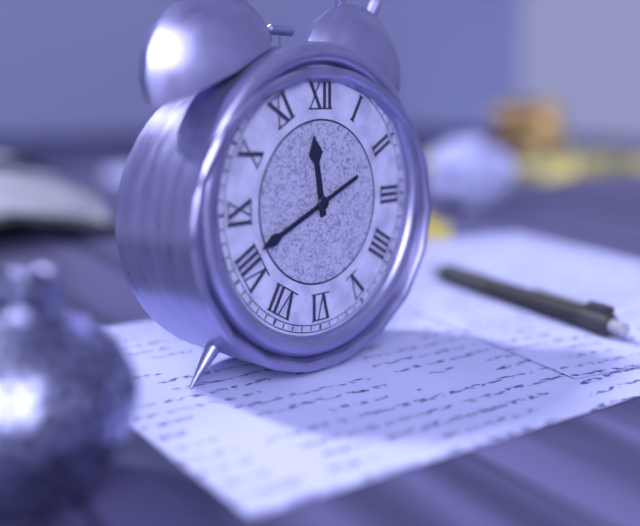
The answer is 11:41
